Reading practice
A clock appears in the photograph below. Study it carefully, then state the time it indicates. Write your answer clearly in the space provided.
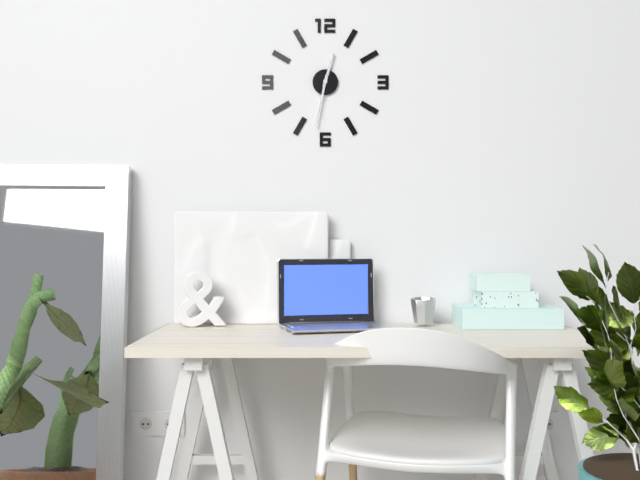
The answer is 12:32
